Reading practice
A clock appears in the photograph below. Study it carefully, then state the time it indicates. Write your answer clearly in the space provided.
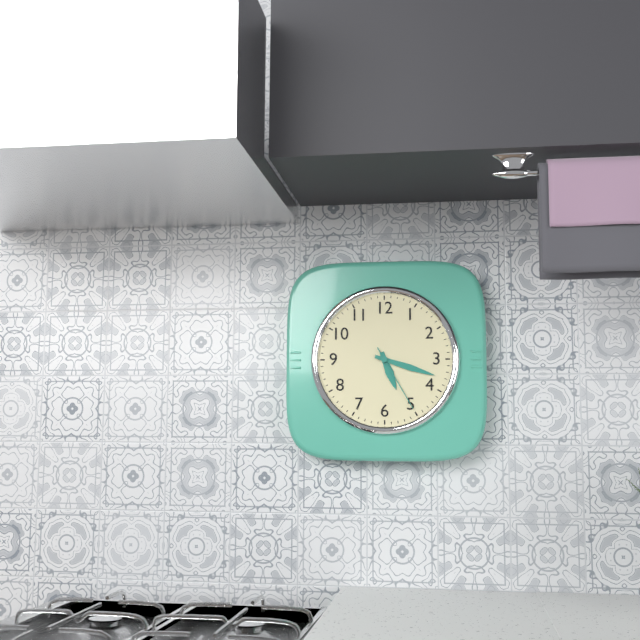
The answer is 5:18:25
